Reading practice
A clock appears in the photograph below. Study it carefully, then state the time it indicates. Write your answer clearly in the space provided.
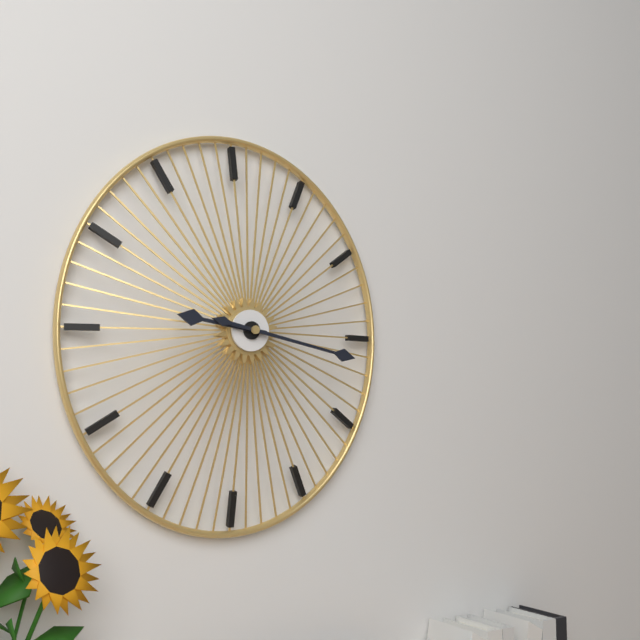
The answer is 9:17
